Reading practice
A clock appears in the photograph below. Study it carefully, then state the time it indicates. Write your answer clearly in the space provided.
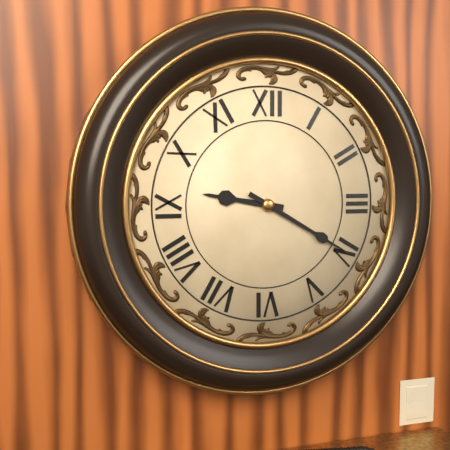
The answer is 9:20
